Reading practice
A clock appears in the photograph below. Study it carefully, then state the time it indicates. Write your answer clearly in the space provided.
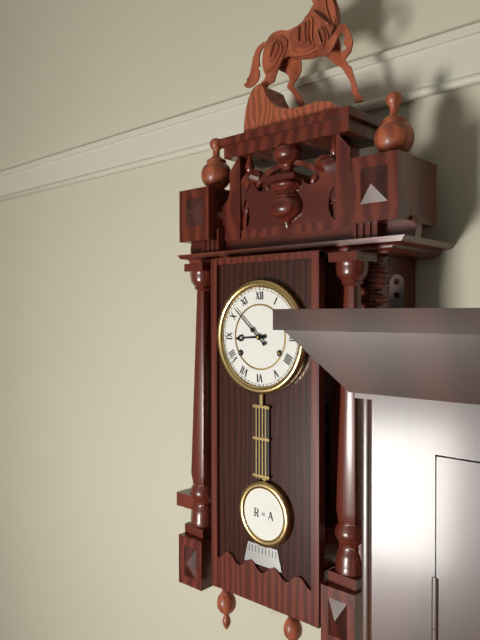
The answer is 8:52
